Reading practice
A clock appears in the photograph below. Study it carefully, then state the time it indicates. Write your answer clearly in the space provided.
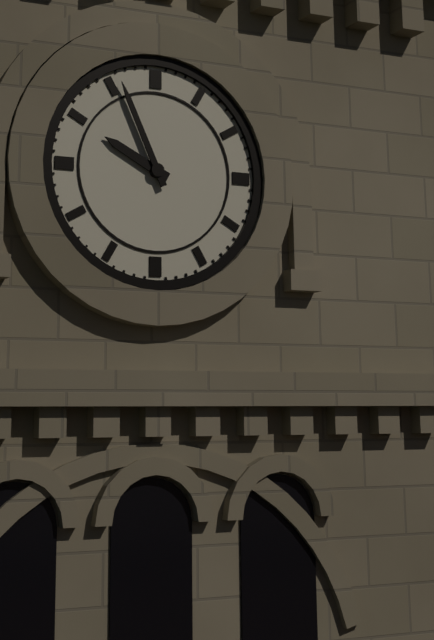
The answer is 9:56
